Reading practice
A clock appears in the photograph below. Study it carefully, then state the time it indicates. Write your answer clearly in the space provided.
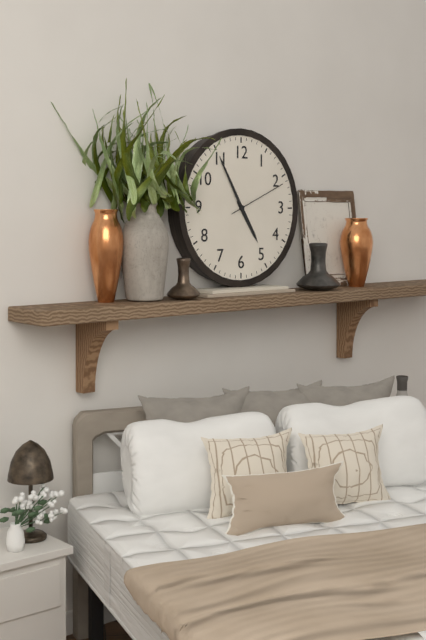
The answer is 4:55:11
